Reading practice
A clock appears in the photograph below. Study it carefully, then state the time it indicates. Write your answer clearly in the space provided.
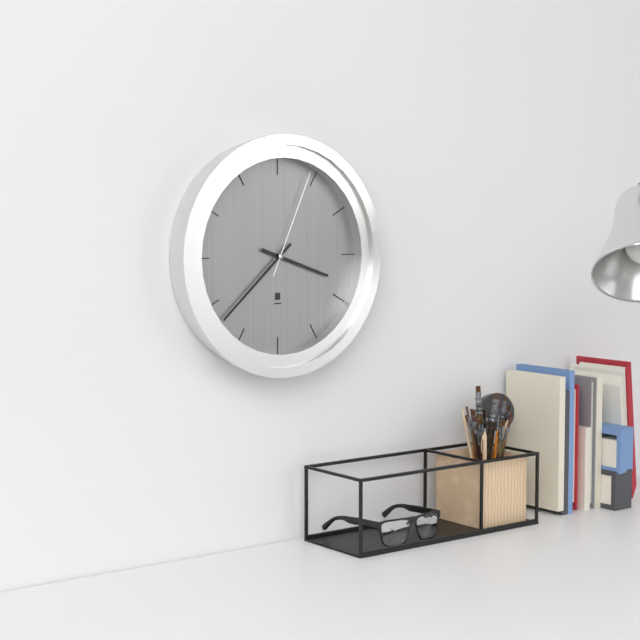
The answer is 3:38:04
